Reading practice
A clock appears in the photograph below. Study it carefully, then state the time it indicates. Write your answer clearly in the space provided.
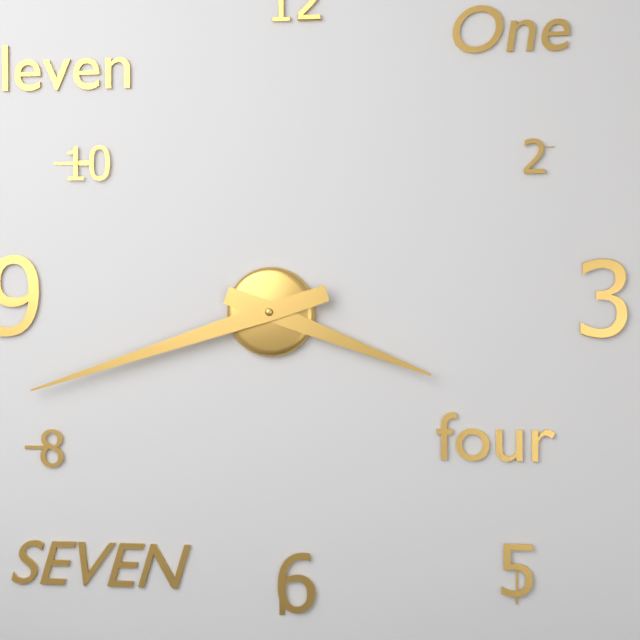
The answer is 3:42
